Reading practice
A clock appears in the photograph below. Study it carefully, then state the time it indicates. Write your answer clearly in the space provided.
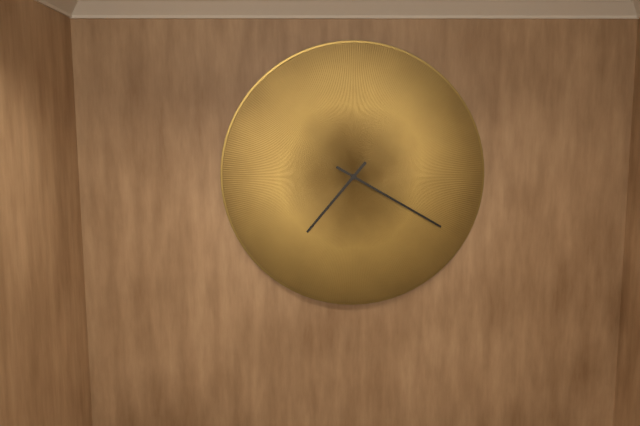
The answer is 7:20
